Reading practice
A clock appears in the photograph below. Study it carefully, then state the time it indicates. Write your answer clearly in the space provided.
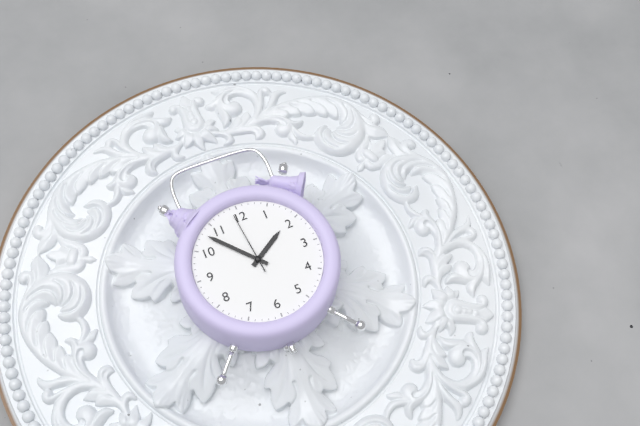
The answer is 1:53:59
